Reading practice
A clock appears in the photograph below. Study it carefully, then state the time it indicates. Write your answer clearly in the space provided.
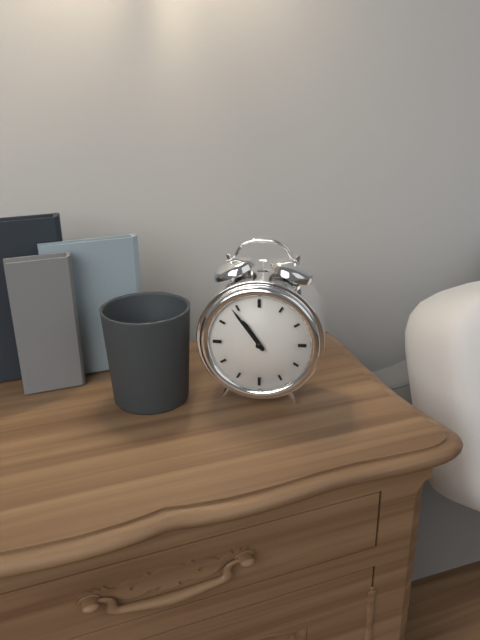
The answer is 10:54
